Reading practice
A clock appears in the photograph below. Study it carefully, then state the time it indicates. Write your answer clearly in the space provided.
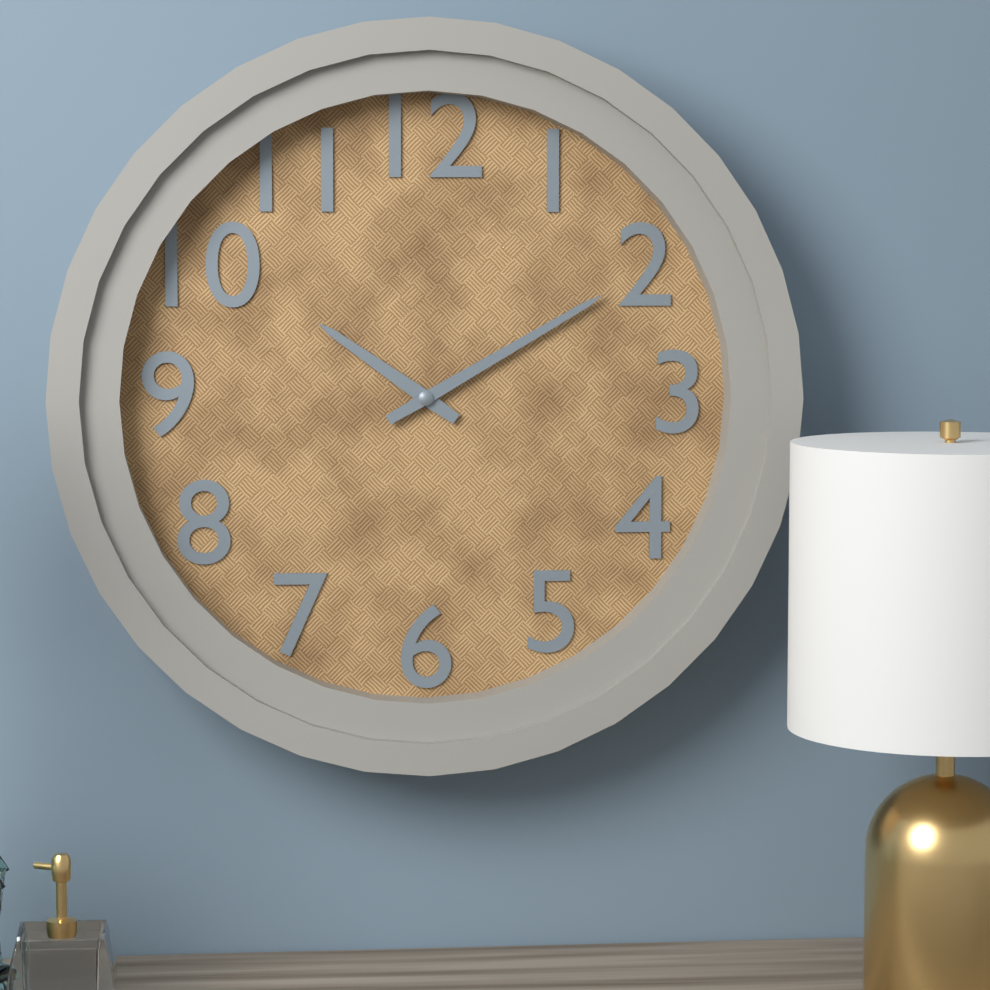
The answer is 10:10
